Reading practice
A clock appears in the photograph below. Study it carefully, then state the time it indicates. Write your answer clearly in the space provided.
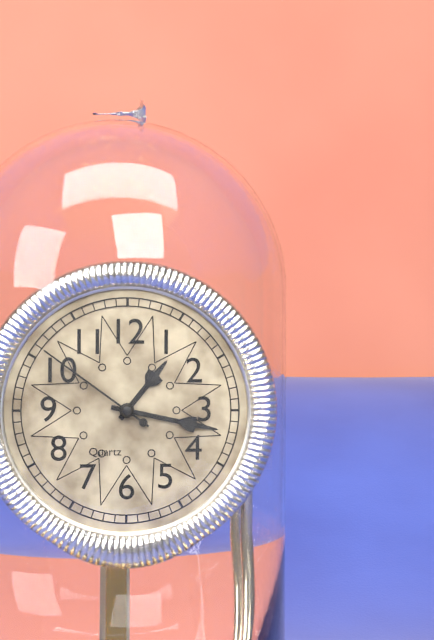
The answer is 1:17:51
